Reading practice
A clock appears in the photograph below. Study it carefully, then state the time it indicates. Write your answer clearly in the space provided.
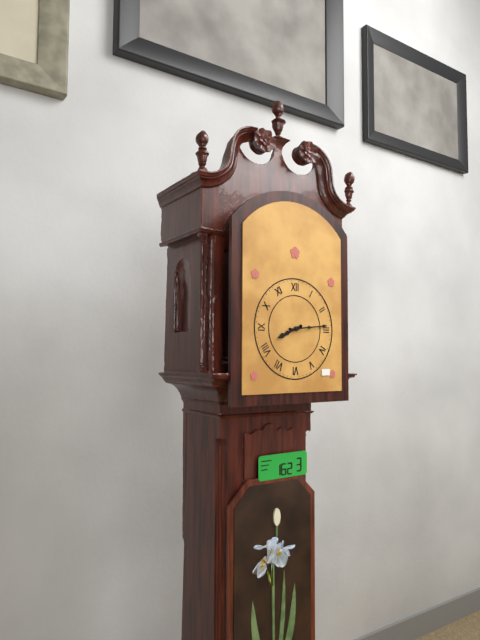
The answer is 8:14
